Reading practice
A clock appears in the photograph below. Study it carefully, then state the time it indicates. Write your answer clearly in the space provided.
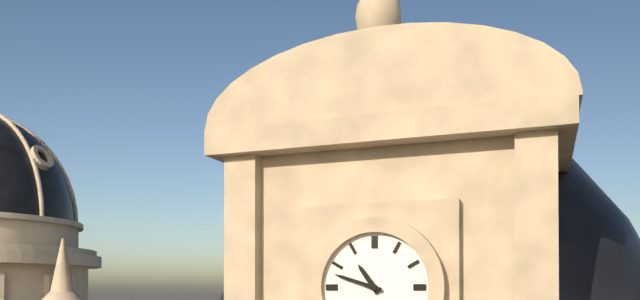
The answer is 10:48
